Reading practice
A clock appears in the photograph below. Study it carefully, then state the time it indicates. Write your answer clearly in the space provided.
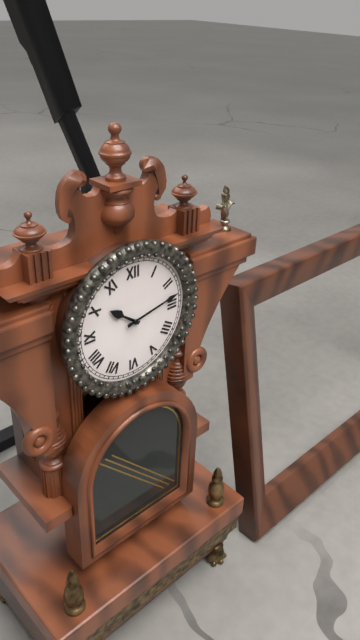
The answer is 10:13
